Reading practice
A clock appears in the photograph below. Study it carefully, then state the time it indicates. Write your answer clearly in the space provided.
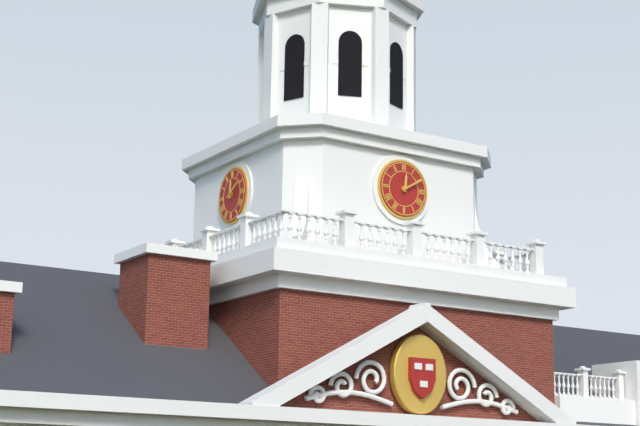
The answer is 12:10
